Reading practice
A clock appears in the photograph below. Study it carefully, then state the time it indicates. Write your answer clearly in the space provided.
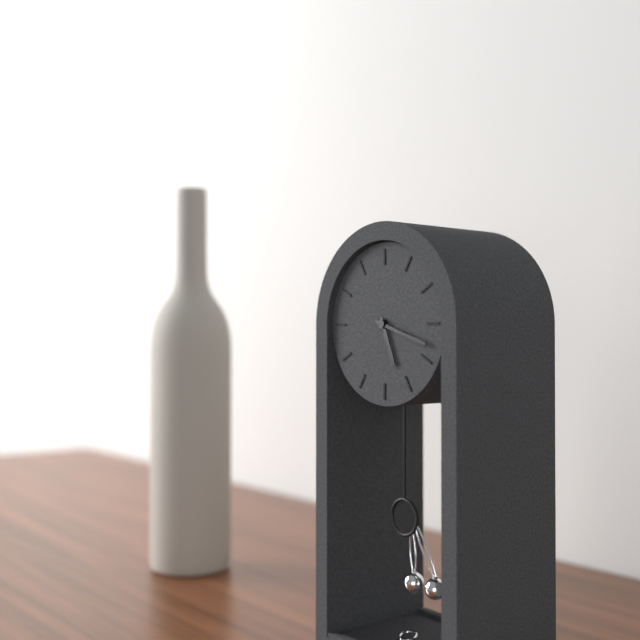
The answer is 5:18
